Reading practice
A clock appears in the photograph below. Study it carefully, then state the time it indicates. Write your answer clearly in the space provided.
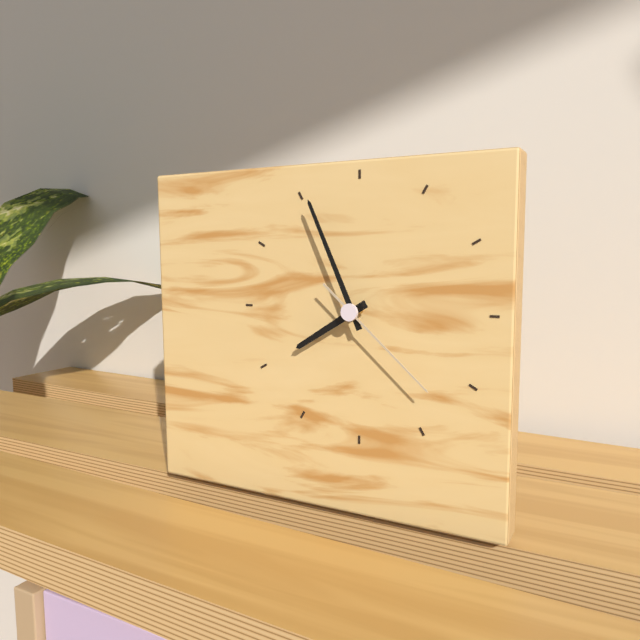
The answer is 7:56:22
